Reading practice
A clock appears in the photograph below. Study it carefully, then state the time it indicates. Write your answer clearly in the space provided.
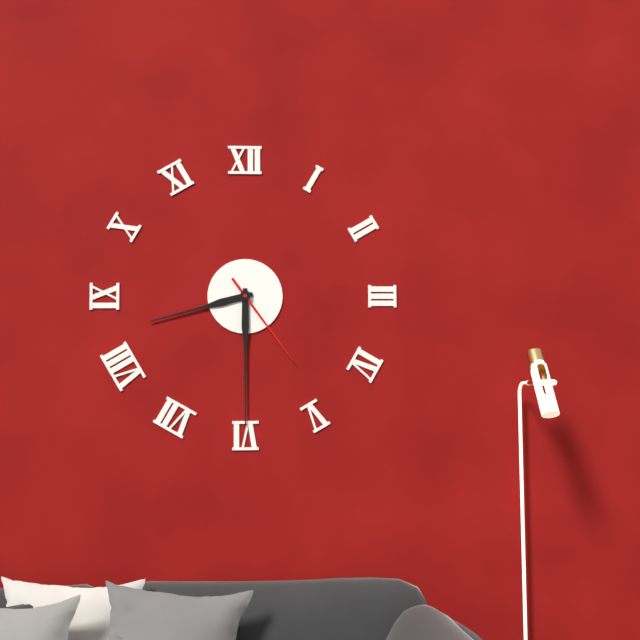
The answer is 8:30:24
